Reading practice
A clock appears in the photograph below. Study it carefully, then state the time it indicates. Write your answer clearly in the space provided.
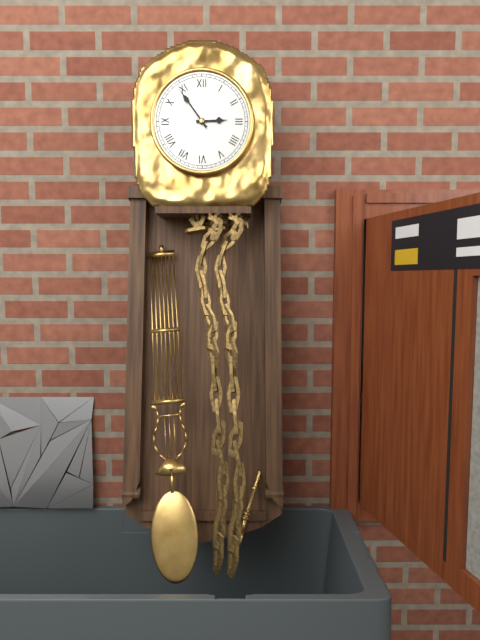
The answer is 2:54
